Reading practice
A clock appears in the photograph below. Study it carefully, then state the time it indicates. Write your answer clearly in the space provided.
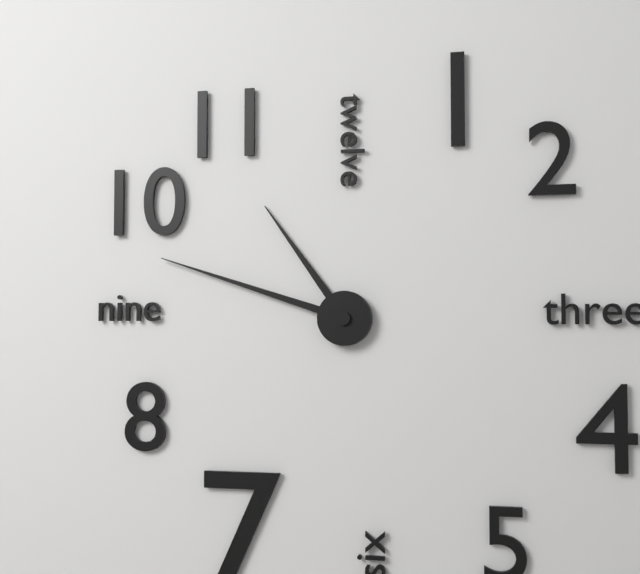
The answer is 10:48
